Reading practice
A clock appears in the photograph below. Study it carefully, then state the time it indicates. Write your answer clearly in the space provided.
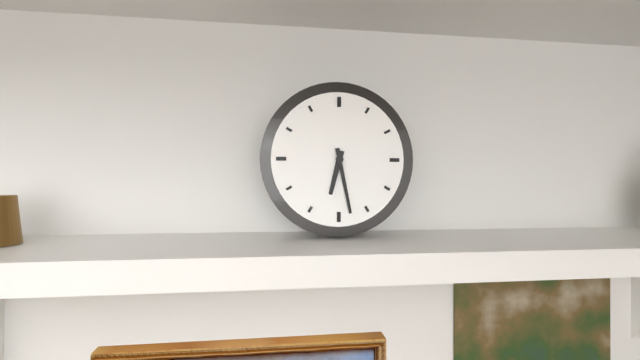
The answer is 6:28
